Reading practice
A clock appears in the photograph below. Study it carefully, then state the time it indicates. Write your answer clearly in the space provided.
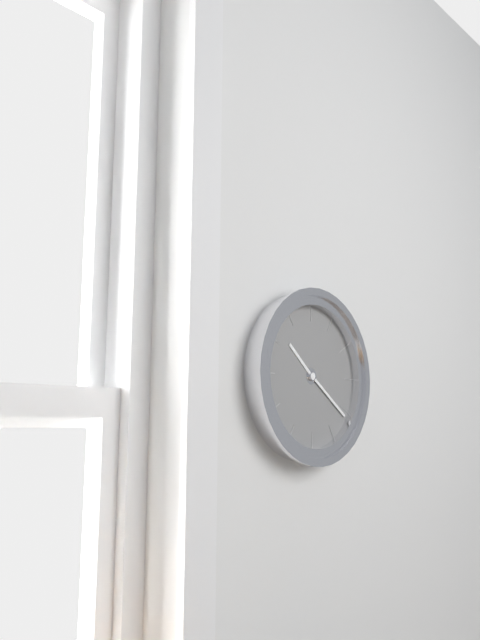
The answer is 10:21
